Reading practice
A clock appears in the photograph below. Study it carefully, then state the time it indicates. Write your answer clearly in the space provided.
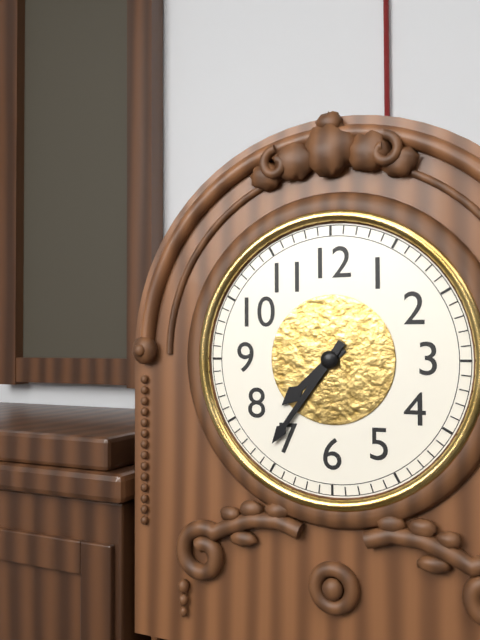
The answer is 7:36
